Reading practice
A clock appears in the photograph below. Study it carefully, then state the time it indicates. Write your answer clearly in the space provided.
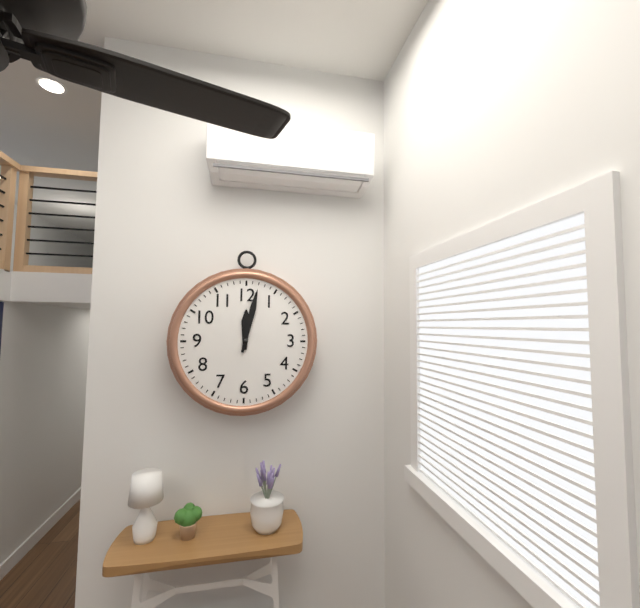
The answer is 12:02
